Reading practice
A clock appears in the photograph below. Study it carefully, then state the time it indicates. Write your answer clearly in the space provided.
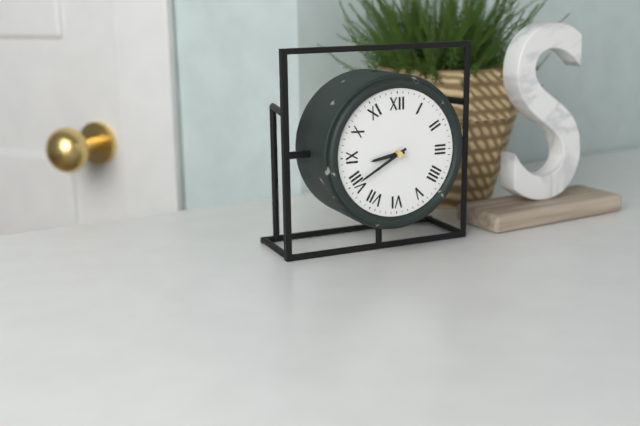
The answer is 8:40
